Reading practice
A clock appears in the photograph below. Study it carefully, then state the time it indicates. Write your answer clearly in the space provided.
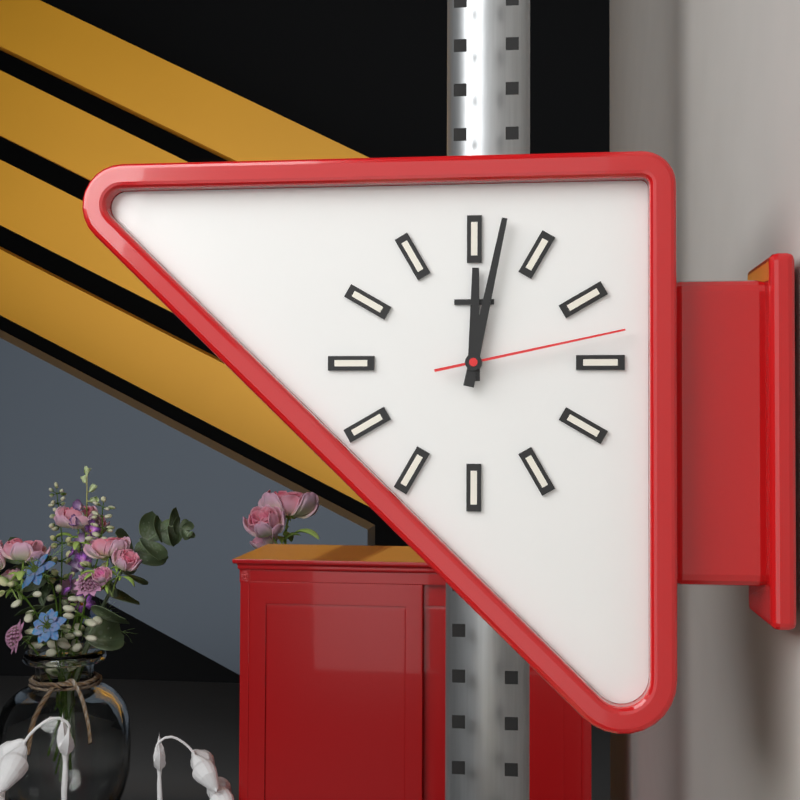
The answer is 12:02:13
